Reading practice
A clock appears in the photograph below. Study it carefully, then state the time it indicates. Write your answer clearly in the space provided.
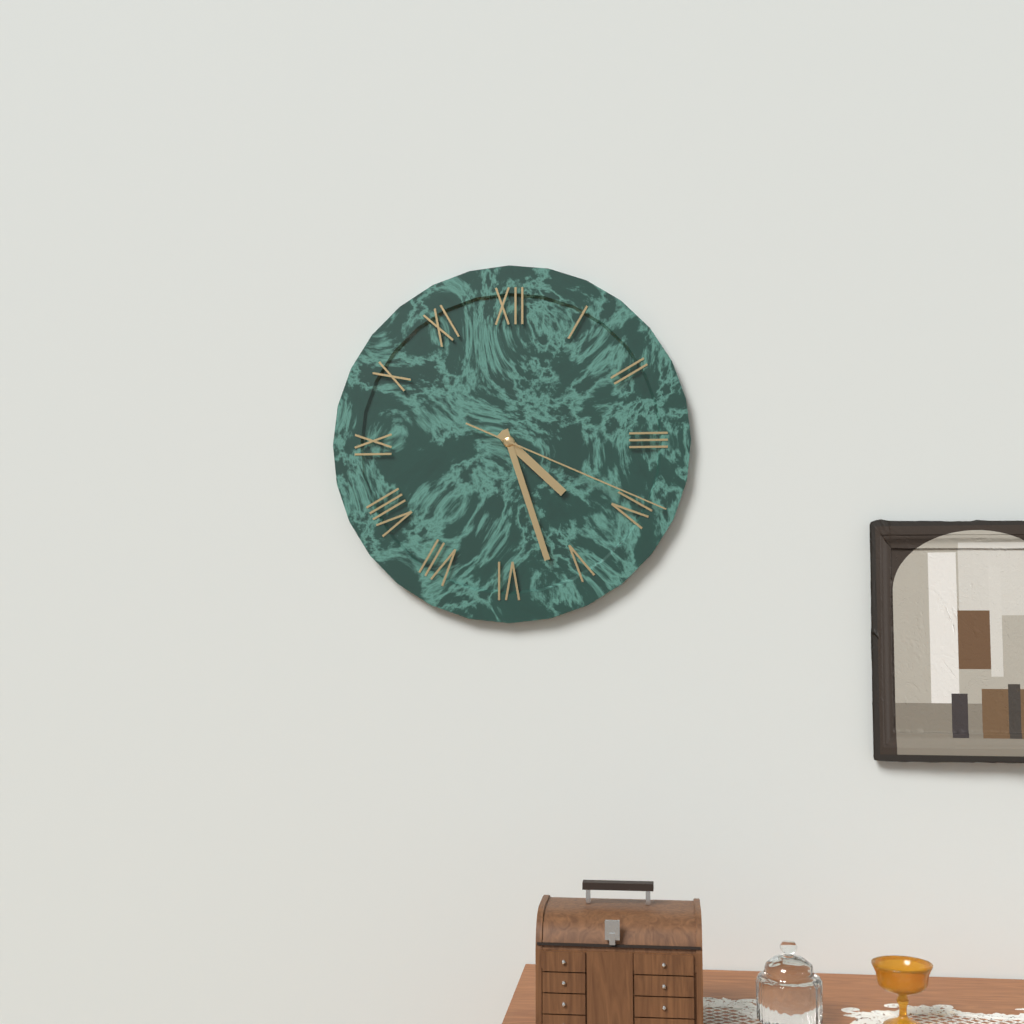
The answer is 4:27:19
